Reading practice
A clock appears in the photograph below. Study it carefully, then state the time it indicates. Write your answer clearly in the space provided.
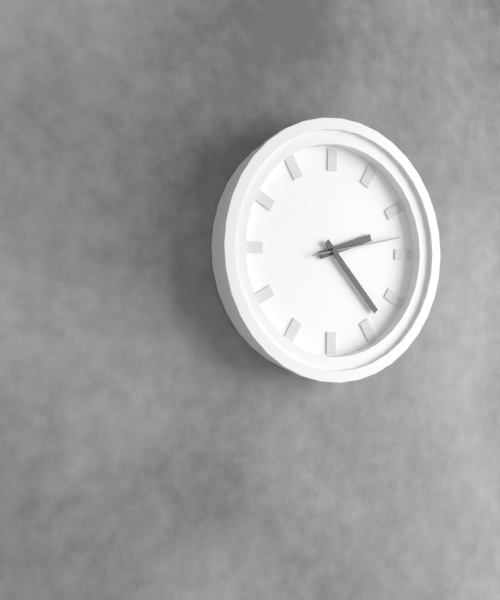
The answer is 2:23:13
